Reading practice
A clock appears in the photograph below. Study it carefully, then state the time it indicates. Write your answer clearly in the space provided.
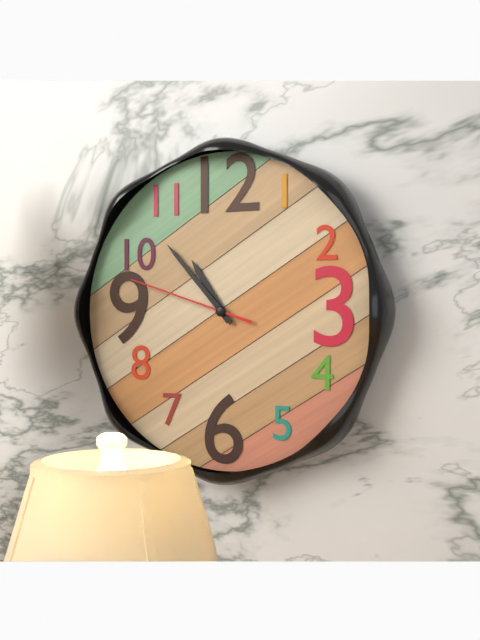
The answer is 10:53:48
